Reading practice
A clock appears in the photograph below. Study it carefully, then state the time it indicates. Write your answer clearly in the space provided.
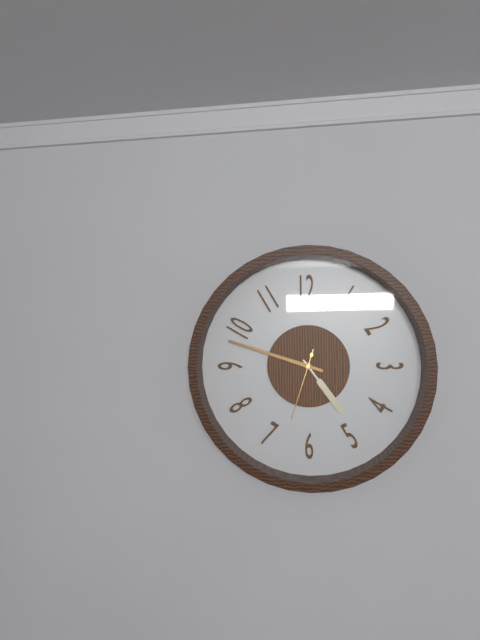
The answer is 4:48:33
